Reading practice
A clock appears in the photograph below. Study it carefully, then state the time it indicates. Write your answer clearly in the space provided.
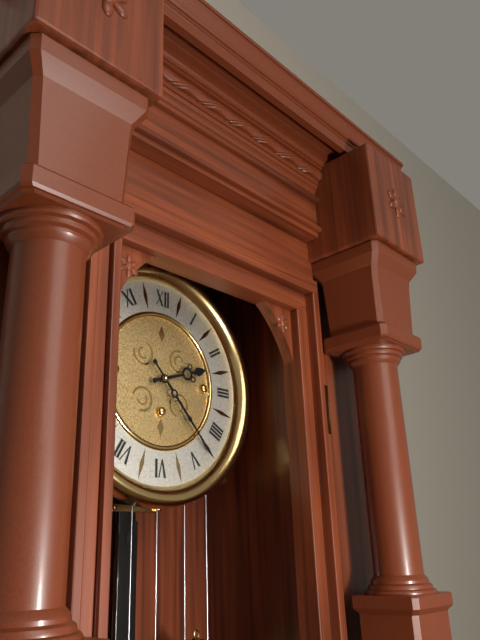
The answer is 2:23
